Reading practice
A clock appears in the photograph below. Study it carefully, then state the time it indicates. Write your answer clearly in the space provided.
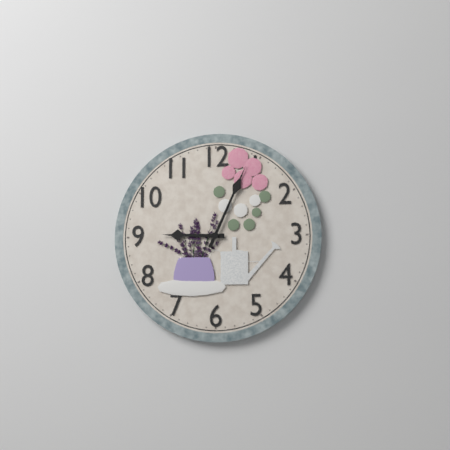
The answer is 9:04
